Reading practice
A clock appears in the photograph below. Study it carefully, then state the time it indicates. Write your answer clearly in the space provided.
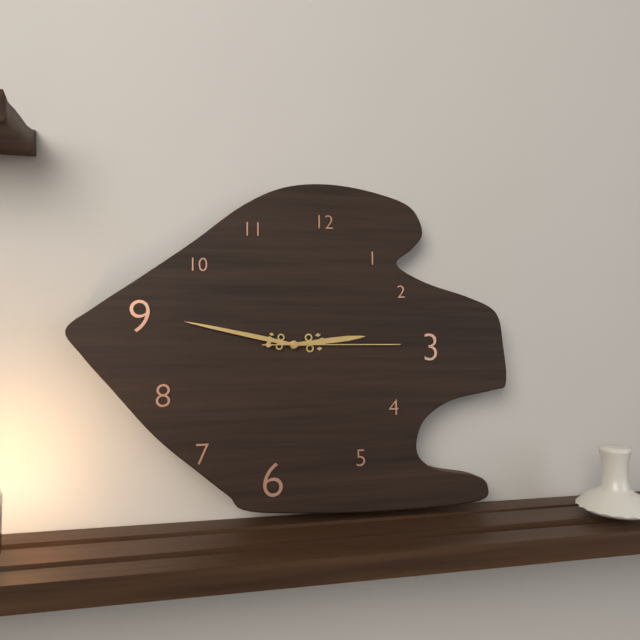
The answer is 2:47:15
